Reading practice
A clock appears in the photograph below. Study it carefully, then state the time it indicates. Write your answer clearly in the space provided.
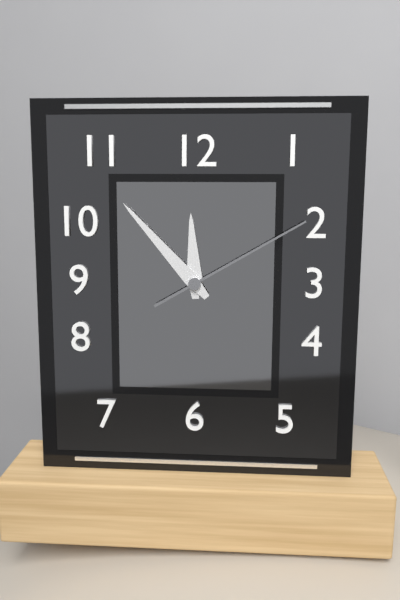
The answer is 11:53:10
